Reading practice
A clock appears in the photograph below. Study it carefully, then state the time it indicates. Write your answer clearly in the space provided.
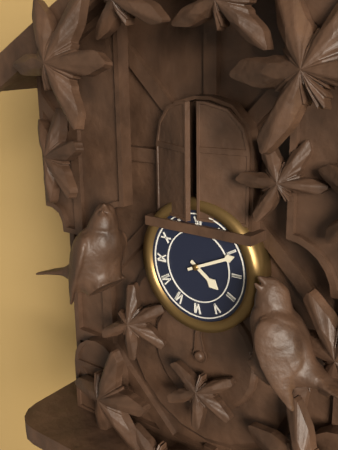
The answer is 4:11
